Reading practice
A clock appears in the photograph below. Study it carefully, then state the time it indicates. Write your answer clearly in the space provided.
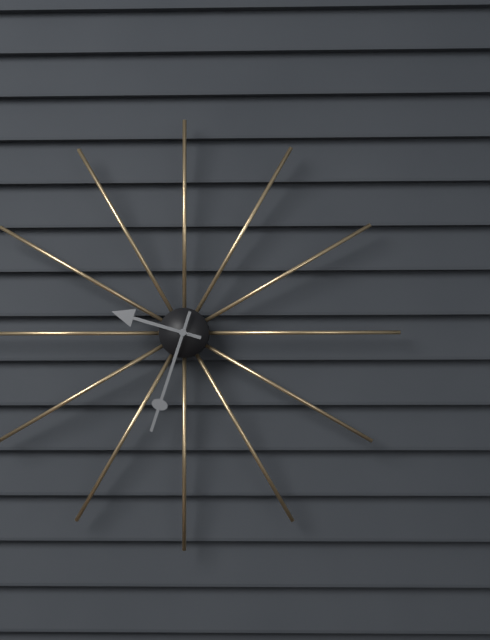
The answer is 9:33
